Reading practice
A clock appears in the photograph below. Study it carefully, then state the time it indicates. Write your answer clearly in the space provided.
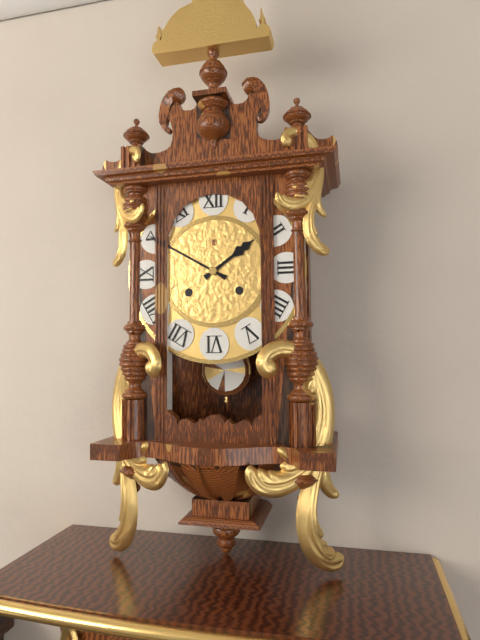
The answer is 1:50
